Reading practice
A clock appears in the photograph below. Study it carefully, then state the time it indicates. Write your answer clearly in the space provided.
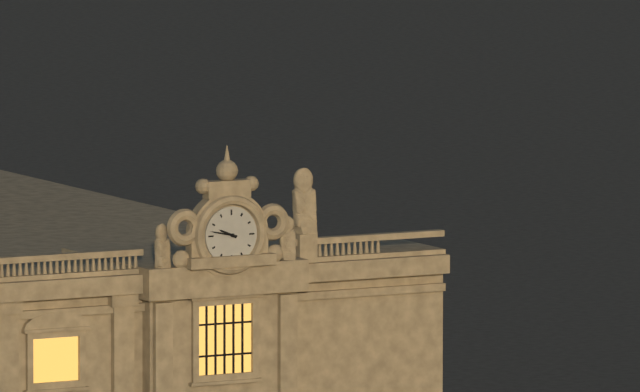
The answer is 9:47
